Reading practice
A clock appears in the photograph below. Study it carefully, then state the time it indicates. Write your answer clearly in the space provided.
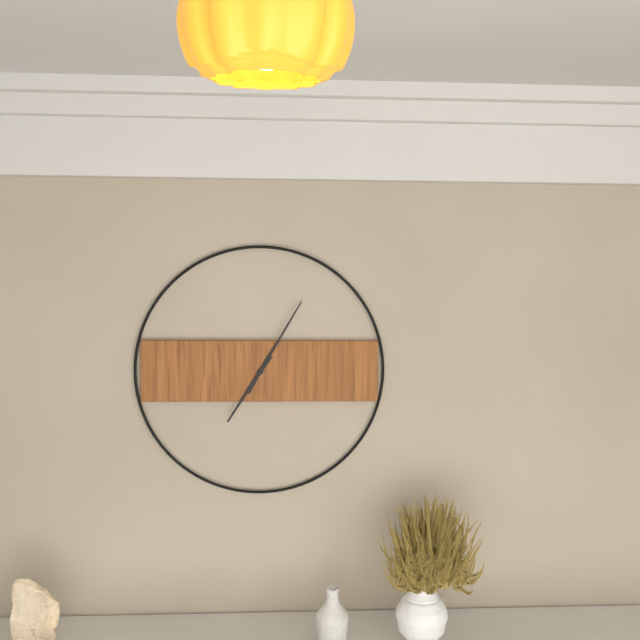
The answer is 7:05
